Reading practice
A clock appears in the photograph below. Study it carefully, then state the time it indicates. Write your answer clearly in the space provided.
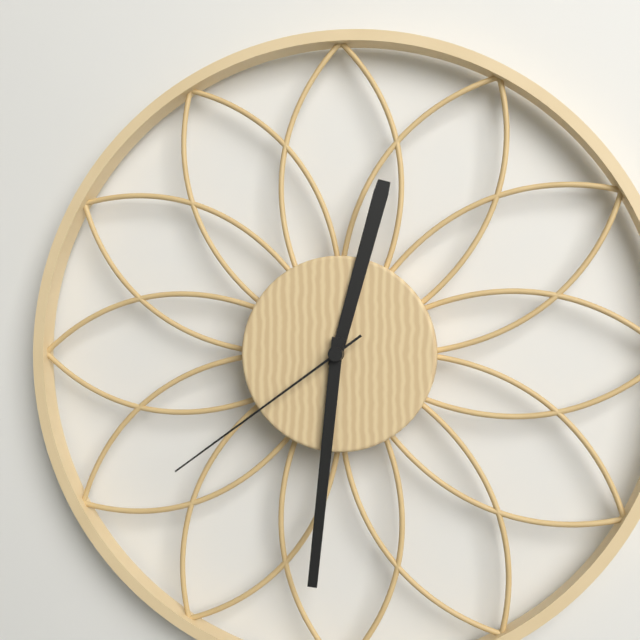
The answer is 12:31:39
